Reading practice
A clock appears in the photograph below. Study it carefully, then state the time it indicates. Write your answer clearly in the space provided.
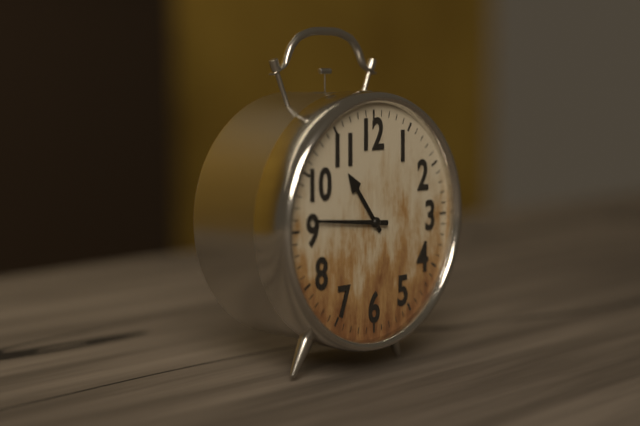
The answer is 10:46
